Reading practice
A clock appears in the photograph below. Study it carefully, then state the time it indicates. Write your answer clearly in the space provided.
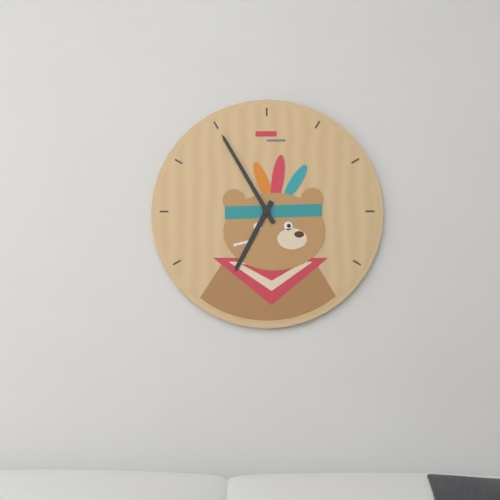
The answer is 6:55
